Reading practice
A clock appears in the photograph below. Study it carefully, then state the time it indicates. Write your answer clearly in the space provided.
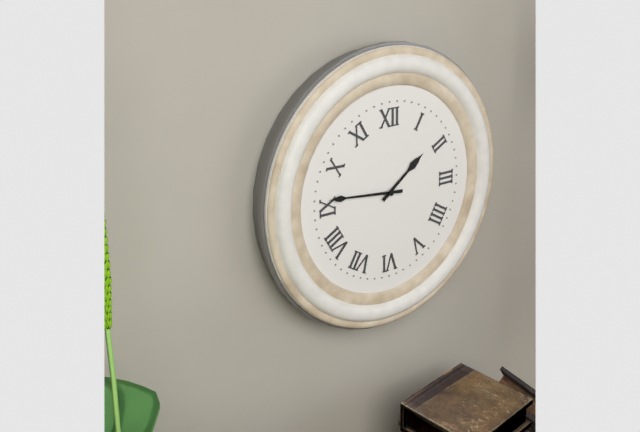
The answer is 1:46
